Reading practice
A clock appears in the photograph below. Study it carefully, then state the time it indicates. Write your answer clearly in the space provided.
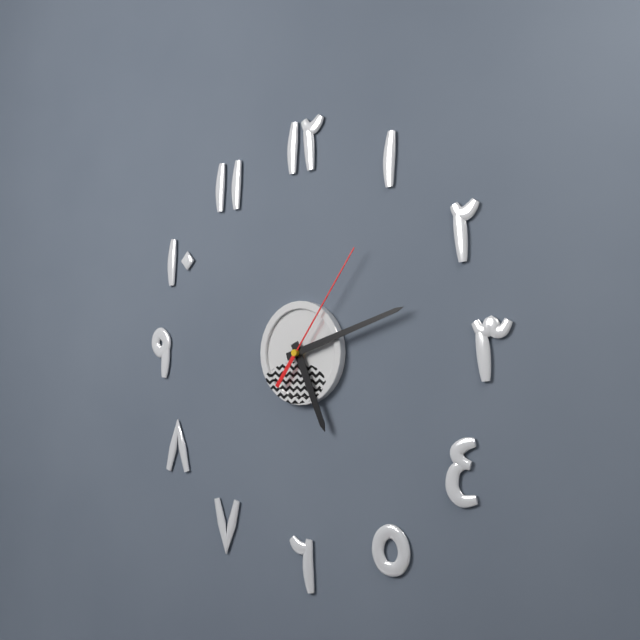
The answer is 5:12:06
